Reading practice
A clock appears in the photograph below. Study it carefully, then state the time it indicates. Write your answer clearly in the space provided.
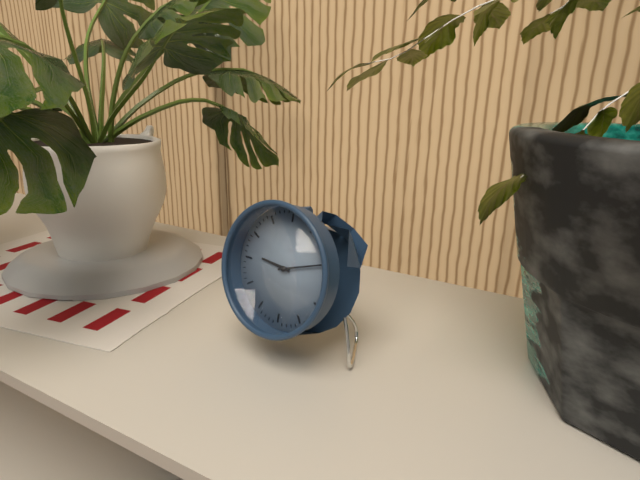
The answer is 9:12
